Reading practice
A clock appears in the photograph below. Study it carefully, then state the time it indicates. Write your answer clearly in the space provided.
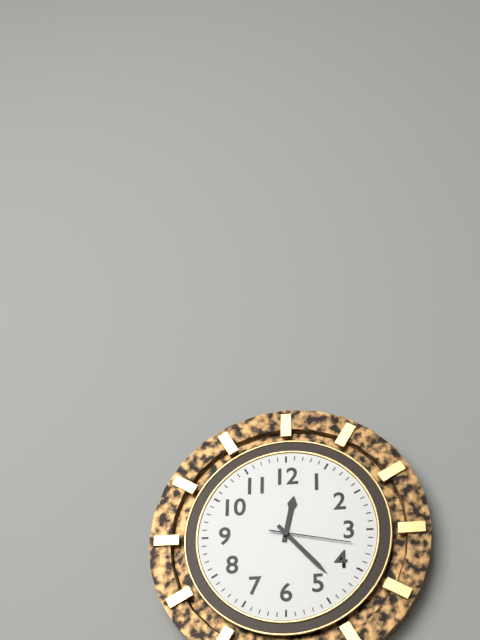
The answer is 12:23:17
